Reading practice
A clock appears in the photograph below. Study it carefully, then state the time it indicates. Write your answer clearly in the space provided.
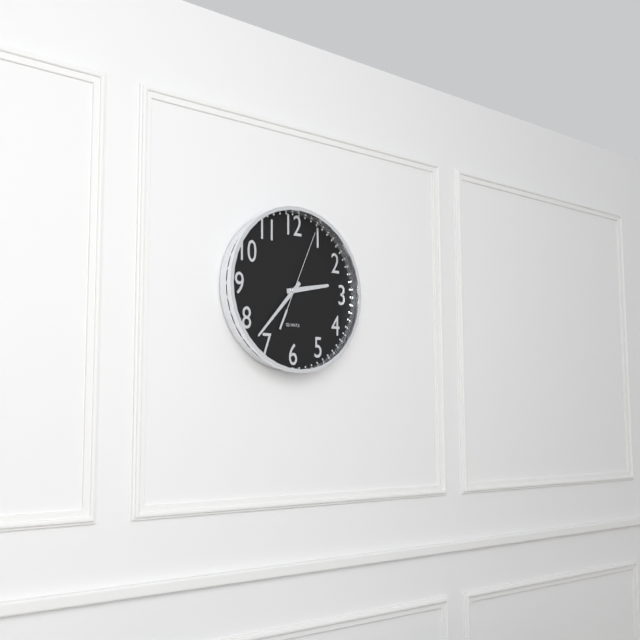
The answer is 2:37:04
